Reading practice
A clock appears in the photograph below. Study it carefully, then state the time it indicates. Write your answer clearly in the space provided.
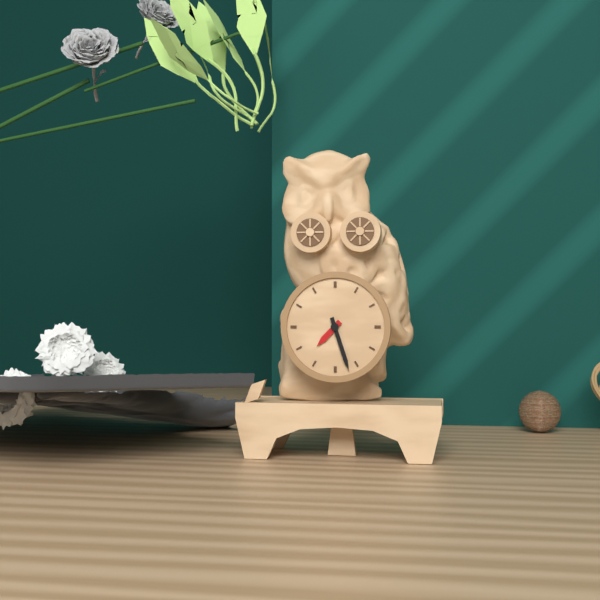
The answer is 7:27
